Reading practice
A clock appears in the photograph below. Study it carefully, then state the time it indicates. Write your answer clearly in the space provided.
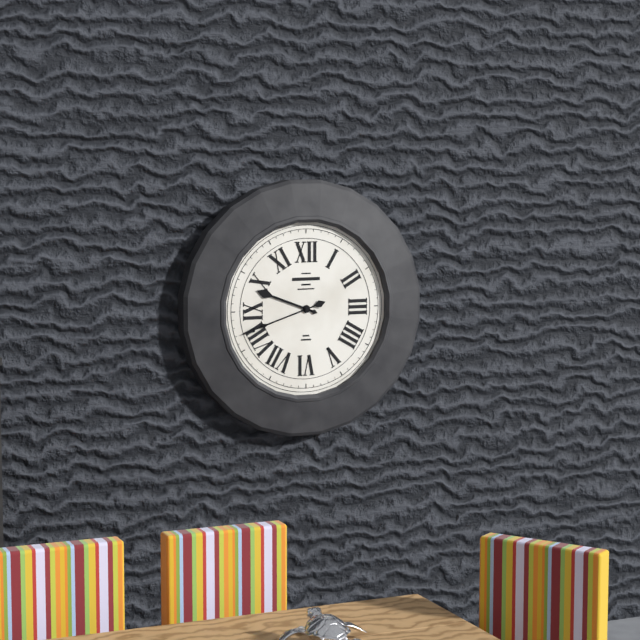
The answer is 9:42
